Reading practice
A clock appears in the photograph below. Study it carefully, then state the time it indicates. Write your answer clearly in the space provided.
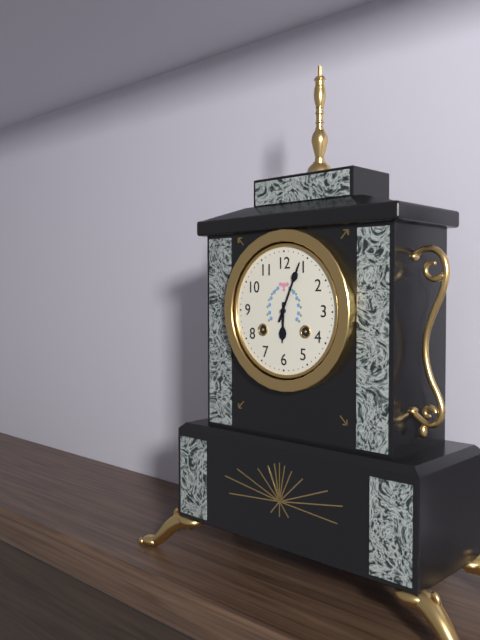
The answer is 6:04
